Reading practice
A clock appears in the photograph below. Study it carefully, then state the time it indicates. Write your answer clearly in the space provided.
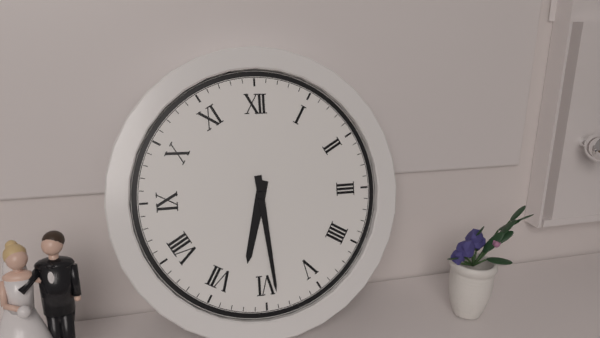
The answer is 6:29
